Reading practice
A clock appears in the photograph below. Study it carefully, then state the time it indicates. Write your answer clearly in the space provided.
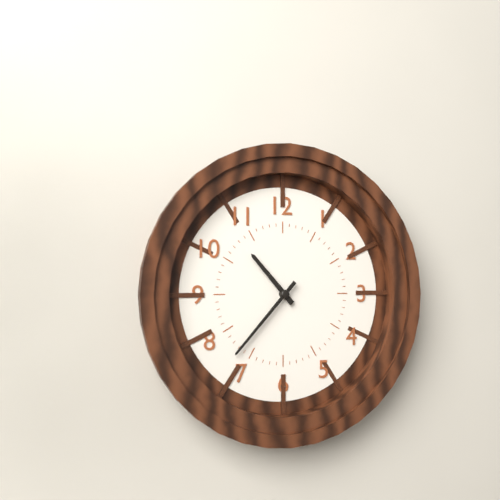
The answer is 10:37
